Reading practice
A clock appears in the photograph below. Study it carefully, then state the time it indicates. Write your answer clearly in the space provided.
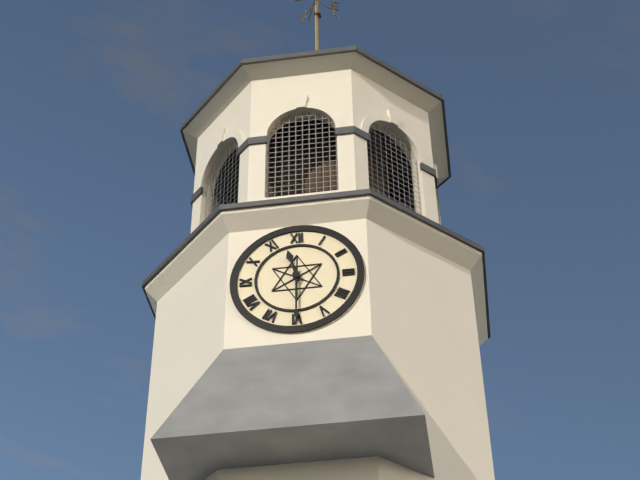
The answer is 11:30
